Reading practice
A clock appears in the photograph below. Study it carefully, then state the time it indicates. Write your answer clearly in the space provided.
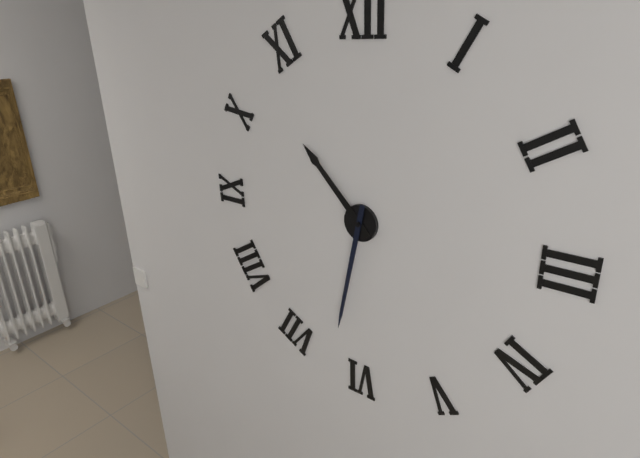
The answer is 10:32
